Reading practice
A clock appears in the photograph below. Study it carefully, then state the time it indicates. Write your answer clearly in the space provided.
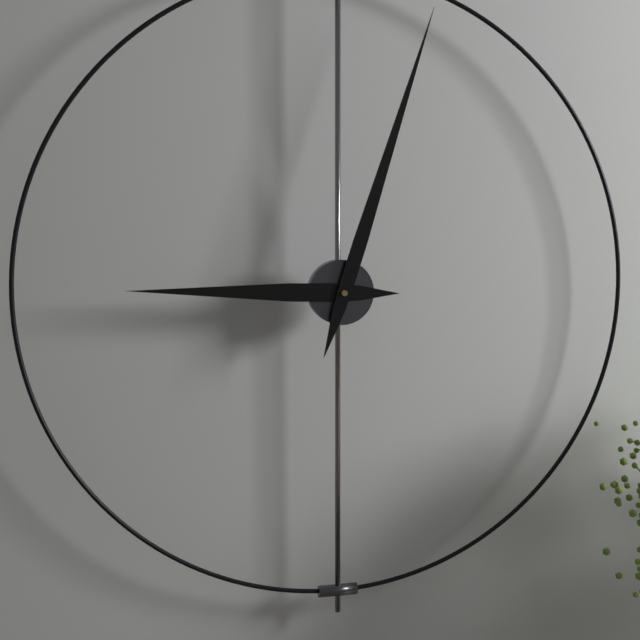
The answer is 9:03
